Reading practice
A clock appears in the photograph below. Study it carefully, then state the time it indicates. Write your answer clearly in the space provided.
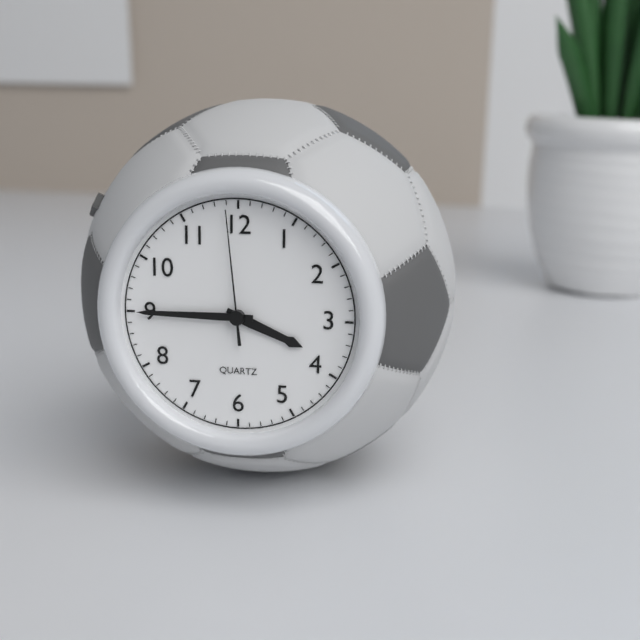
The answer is 3:45:59
